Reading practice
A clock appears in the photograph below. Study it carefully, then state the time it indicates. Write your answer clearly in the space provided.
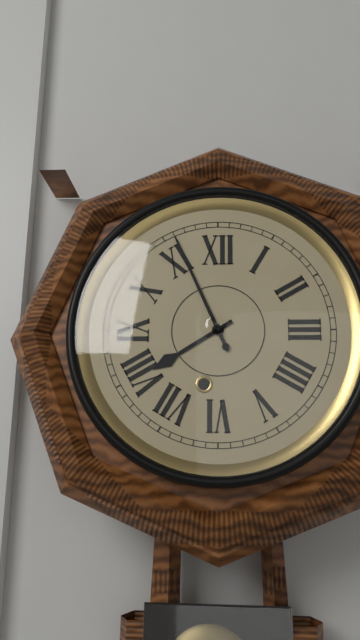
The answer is 7:56
